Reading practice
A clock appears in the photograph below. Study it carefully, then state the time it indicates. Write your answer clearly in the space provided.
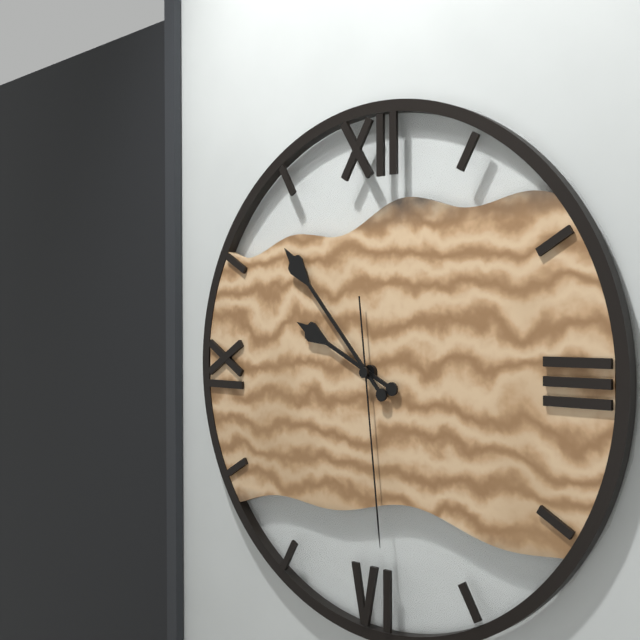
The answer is 9:53:29
